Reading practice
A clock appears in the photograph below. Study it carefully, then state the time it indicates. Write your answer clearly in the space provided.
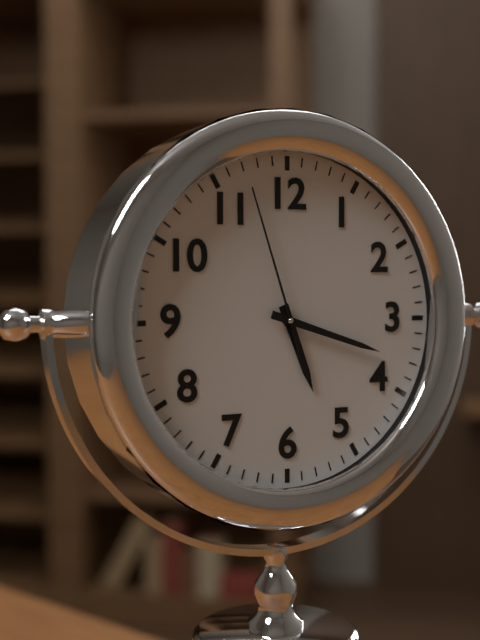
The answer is 5:18:57
